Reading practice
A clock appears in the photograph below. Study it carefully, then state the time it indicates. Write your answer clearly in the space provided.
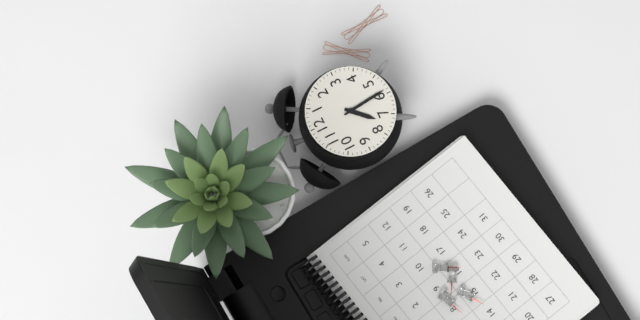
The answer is 7:29
